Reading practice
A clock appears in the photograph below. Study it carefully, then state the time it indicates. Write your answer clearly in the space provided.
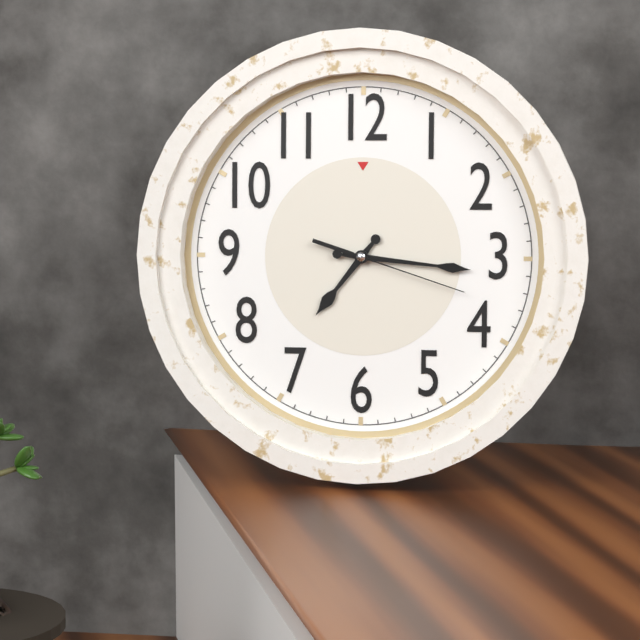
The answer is 7:16:18
